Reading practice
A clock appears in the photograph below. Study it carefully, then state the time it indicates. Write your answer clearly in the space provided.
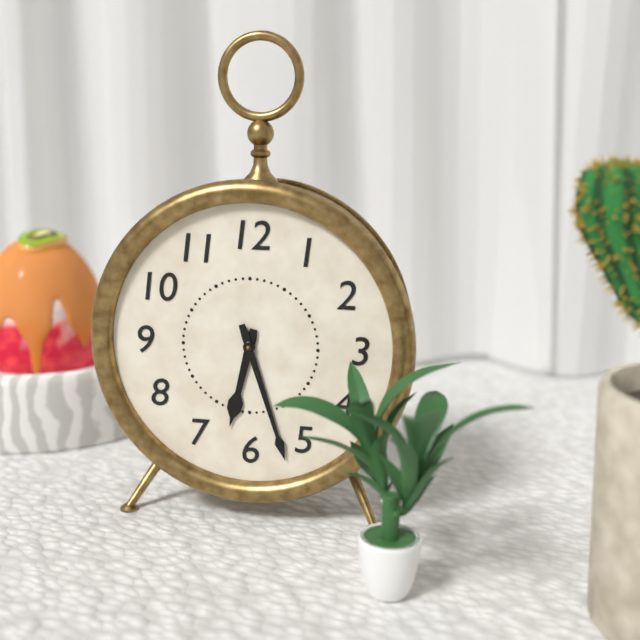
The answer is 6:27
